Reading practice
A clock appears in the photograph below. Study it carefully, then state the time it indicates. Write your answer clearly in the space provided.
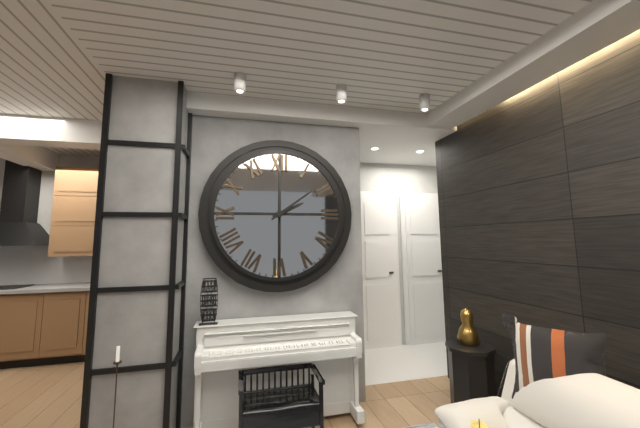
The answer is 2:09
